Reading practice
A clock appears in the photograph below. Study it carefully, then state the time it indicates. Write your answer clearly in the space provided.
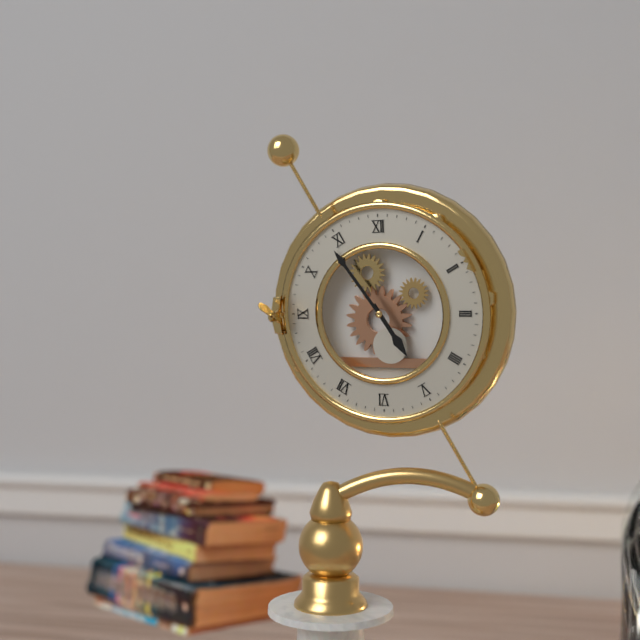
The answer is 4:54
